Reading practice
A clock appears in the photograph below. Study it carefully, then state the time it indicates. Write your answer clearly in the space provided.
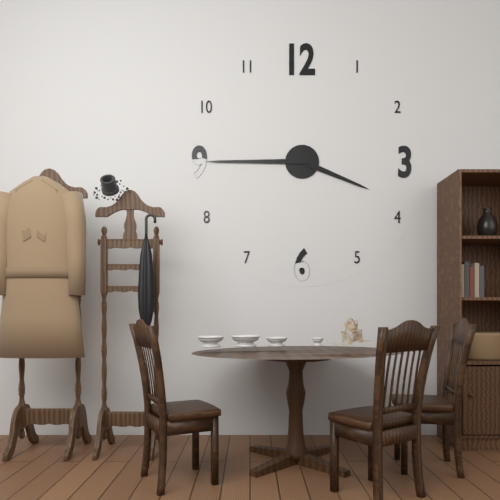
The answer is 3:45
